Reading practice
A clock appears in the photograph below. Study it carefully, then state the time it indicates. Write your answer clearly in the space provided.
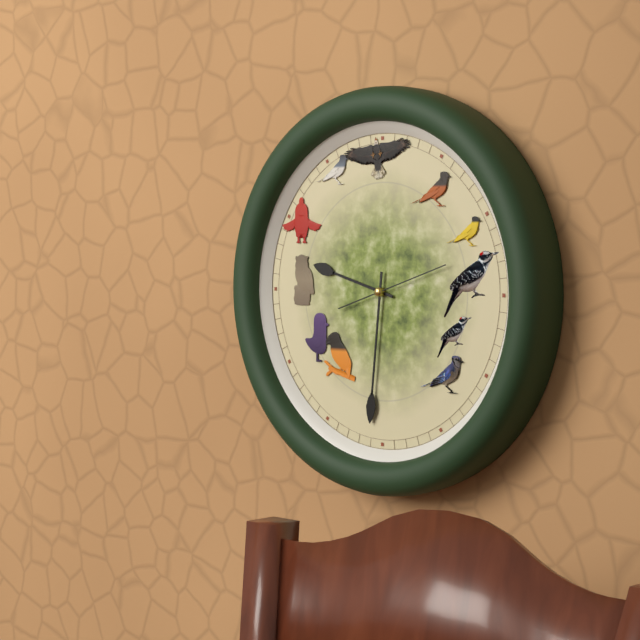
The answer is 9:31:12
